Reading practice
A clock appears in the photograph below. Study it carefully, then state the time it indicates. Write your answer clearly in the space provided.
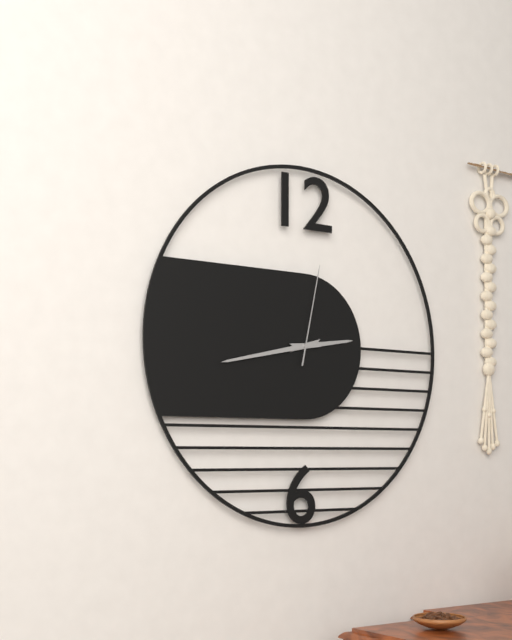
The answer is 2:43:02
